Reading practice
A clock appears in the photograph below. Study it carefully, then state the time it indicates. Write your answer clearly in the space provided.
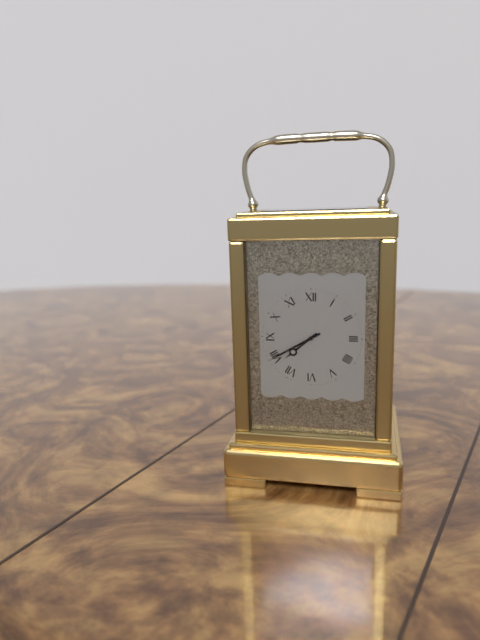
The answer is 7:40
